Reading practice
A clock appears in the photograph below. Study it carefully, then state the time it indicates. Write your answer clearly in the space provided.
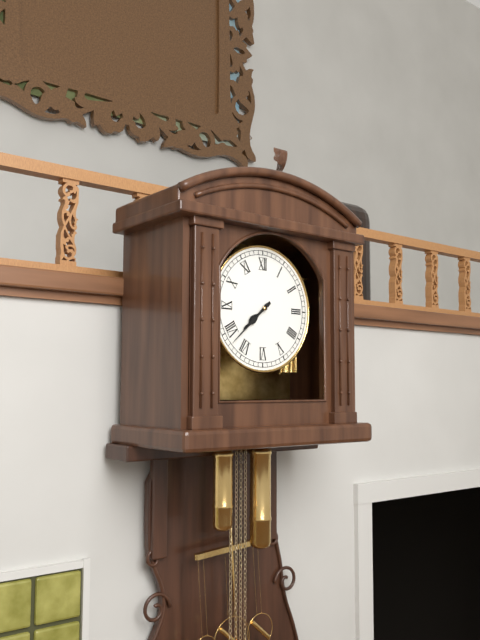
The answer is 7:38
